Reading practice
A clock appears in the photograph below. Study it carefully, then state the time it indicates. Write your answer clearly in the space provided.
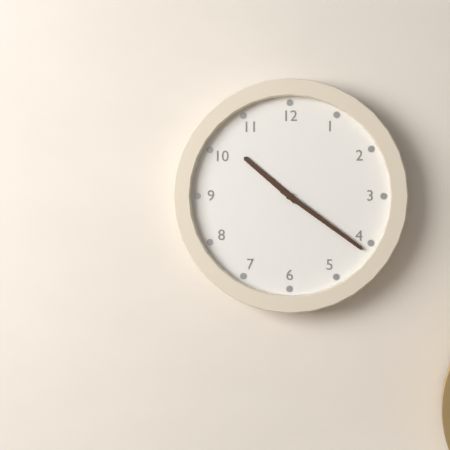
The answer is 10:21
